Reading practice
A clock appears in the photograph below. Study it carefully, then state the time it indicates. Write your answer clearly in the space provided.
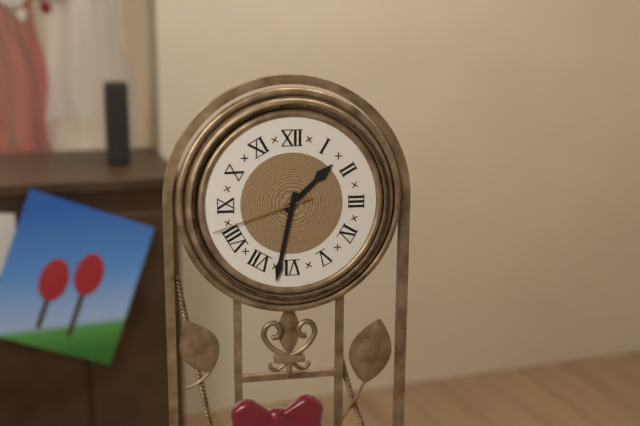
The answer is 1:32:42
